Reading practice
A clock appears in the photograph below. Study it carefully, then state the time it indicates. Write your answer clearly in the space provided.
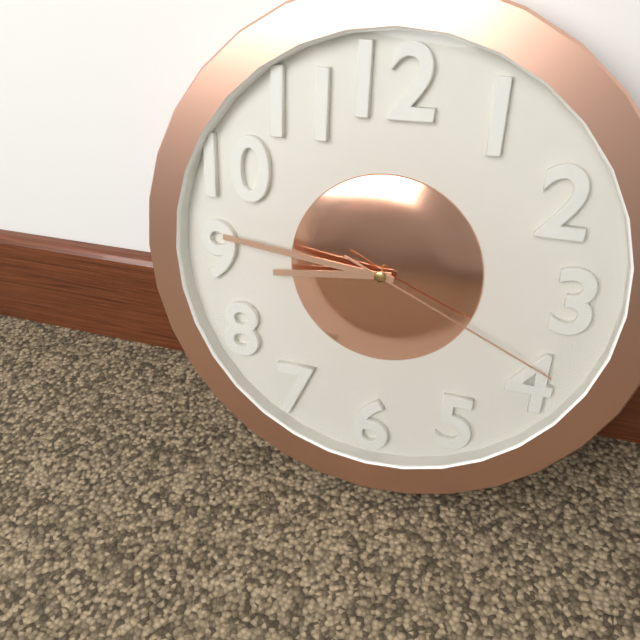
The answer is 8:46:19
